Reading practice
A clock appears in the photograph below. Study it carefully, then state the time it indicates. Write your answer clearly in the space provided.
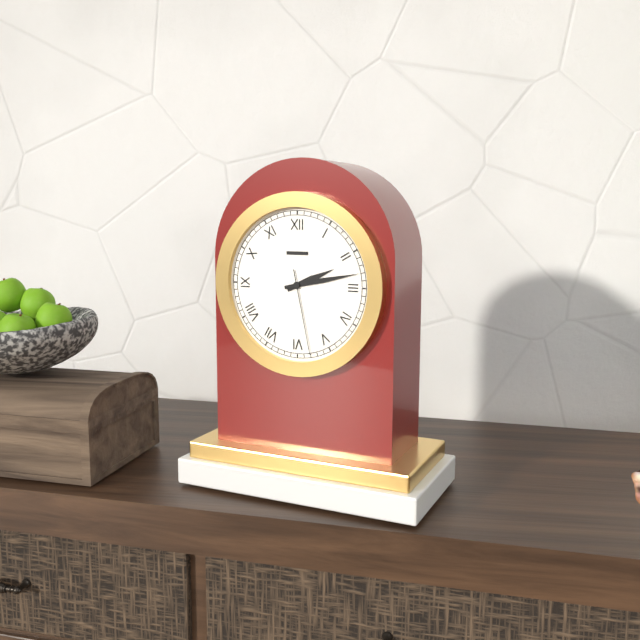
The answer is 2:13:28
